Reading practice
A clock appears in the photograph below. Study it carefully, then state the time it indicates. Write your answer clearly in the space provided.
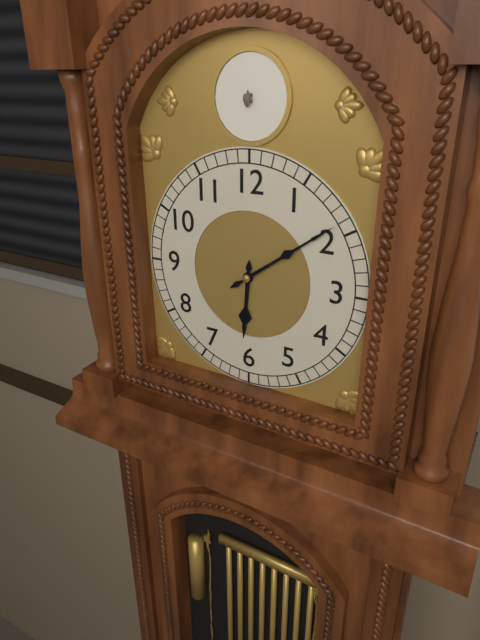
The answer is 6:09
